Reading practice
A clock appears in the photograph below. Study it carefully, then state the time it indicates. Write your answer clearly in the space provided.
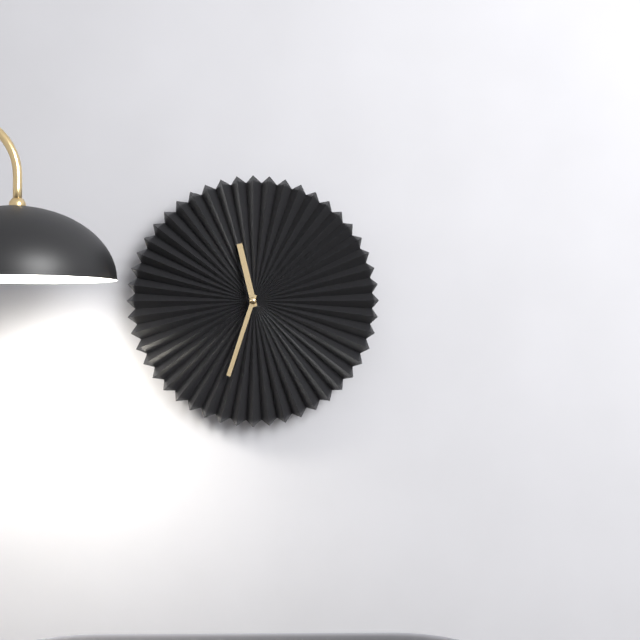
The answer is 11:33
